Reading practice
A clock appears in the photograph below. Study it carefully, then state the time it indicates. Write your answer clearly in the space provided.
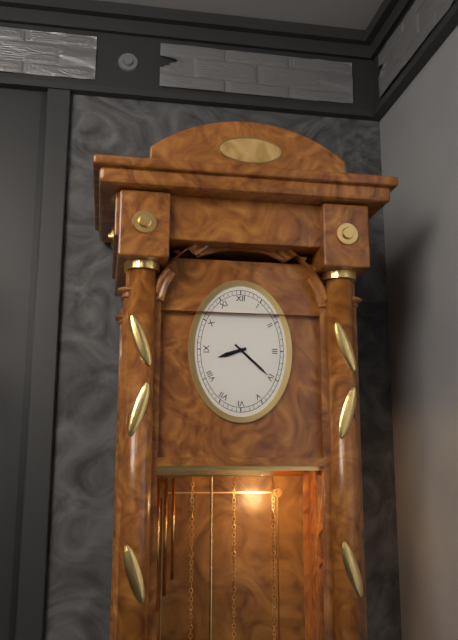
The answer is 8:22
